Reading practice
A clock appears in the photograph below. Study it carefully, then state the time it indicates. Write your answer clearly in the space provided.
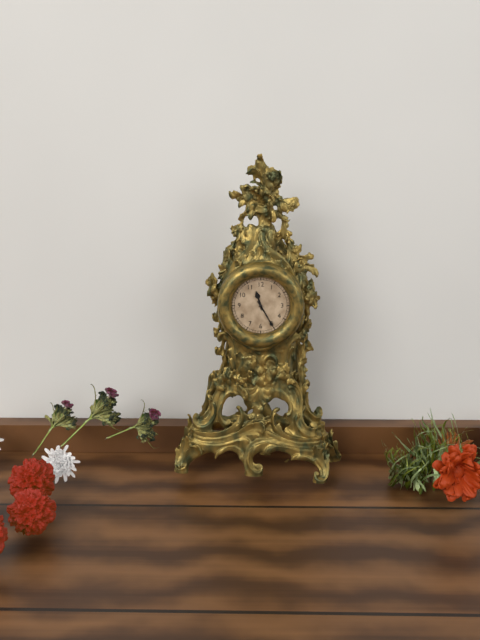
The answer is 11:25
